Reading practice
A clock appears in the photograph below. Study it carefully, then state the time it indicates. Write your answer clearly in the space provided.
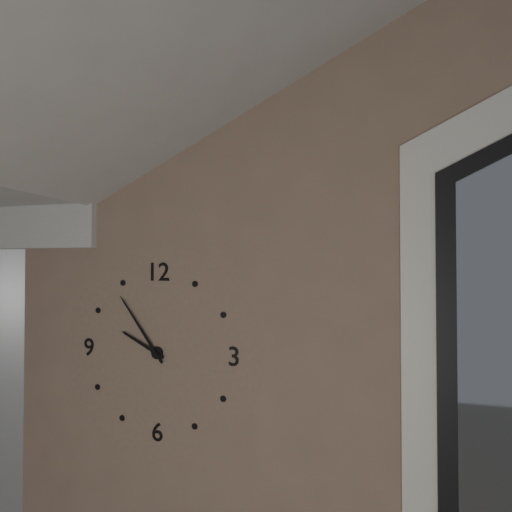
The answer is 9:54
